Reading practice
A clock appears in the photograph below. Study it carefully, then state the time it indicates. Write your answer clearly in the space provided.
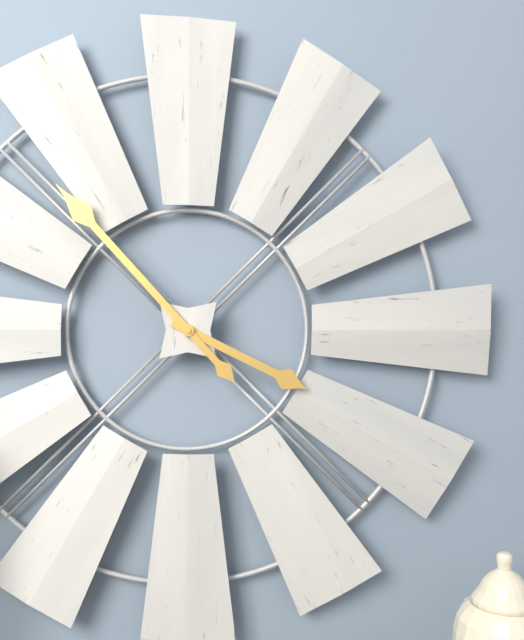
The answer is 3:53
